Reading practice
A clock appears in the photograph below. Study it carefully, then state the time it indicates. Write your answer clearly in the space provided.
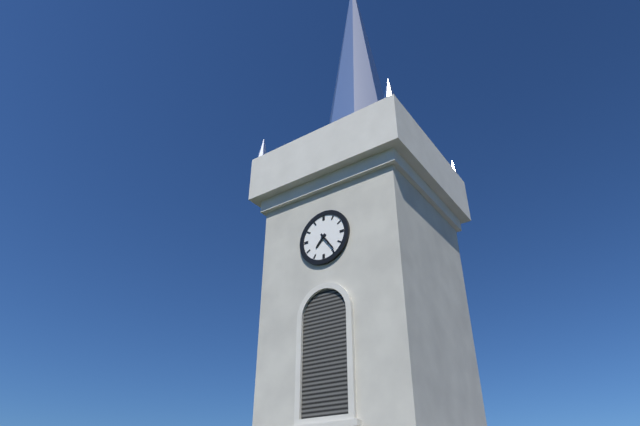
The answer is 7:24
